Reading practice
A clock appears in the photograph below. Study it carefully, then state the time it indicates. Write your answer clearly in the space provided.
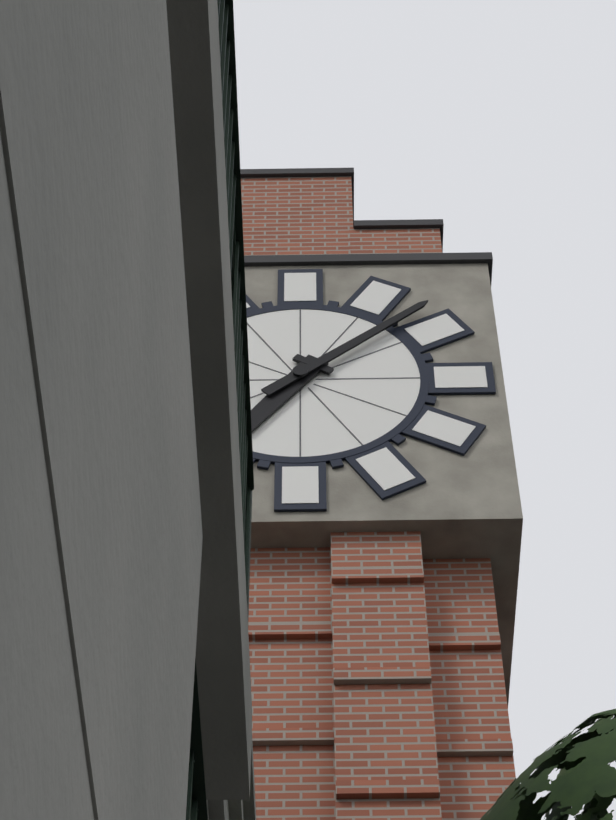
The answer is 7:08
